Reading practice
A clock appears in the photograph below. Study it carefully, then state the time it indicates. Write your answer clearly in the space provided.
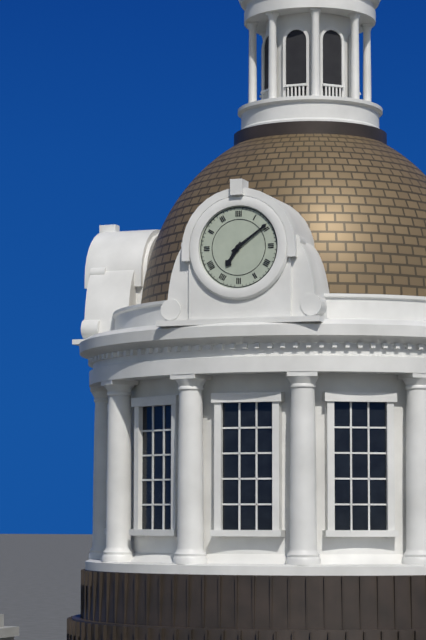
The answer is 7:09
